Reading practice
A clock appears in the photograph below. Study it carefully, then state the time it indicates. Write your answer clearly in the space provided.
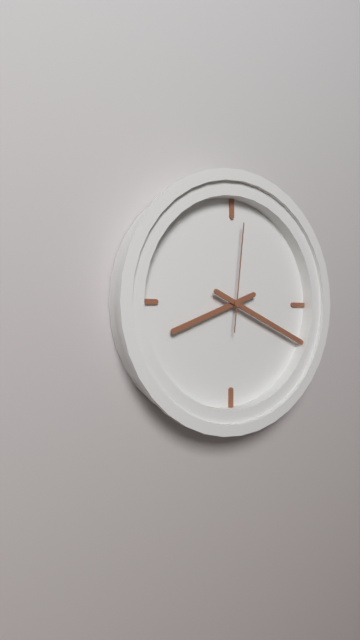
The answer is 8:19:01
